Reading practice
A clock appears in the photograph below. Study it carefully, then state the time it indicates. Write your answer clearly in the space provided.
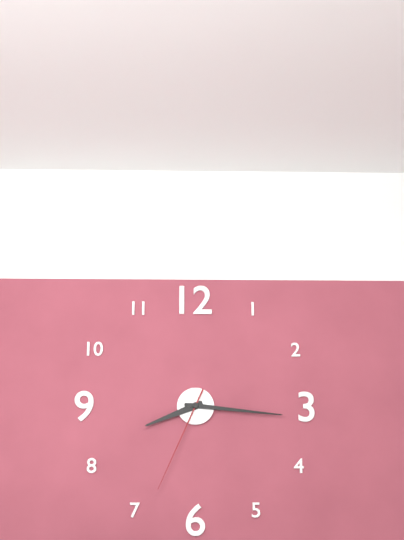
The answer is 8:16:34
